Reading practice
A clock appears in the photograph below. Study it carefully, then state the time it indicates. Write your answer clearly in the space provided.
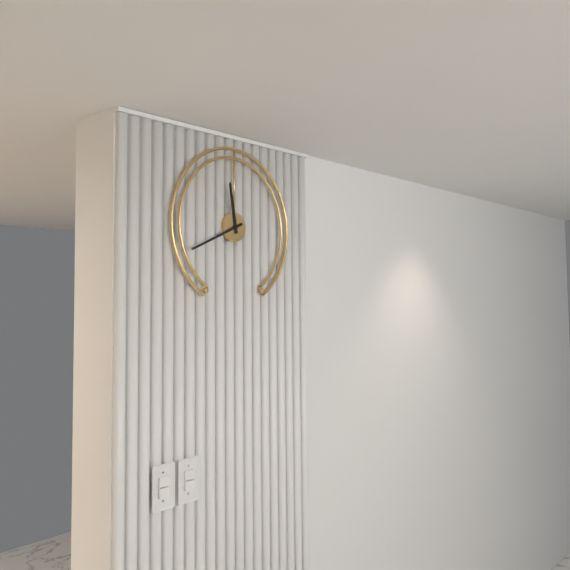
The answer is 11:41
